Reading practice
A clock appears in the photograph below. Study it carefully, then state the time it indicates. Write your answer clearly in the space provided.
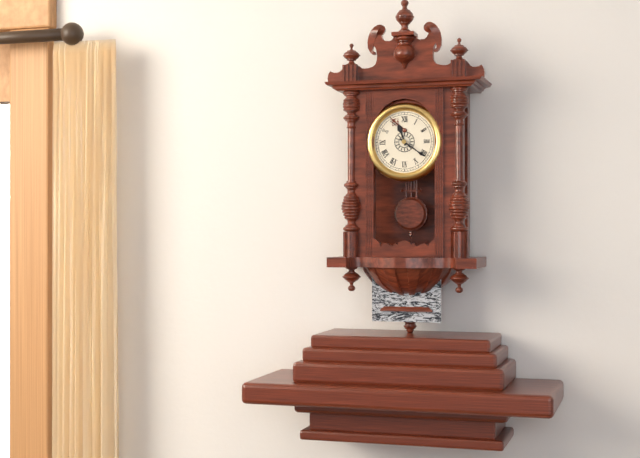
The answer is 11:21
